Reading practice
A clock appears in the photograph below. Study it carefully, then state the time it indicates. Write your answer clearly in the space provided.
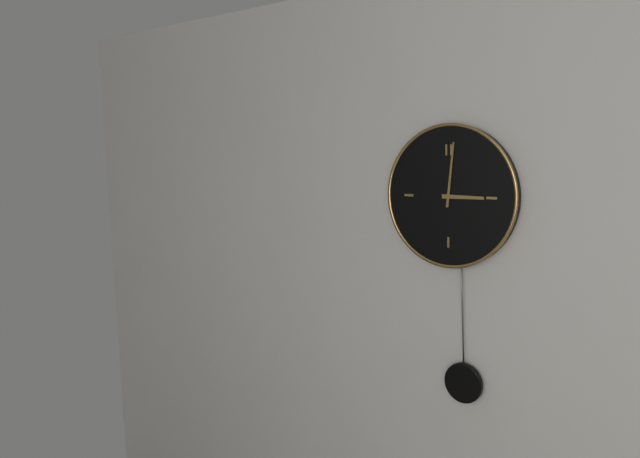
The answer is 3:01
